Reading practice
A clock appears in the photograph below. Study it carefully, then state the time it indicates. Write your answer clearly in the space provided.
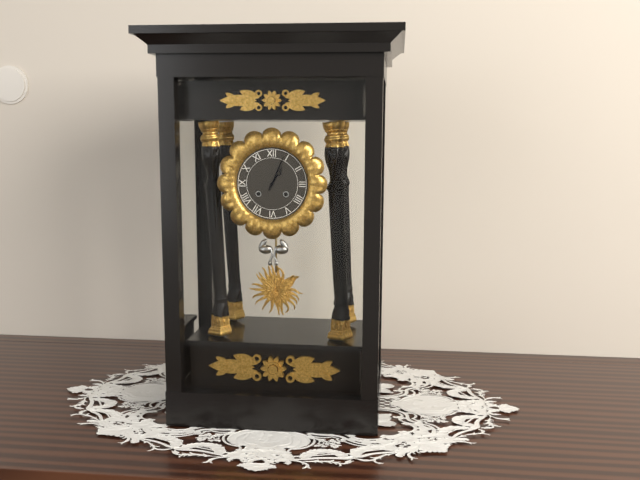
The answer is 1:04
